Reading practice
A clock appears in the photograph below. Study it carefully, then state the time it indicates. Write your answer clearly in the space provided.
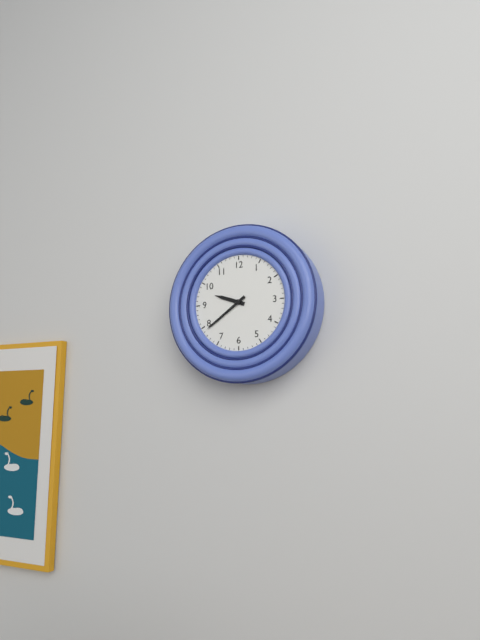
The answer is 9:39
